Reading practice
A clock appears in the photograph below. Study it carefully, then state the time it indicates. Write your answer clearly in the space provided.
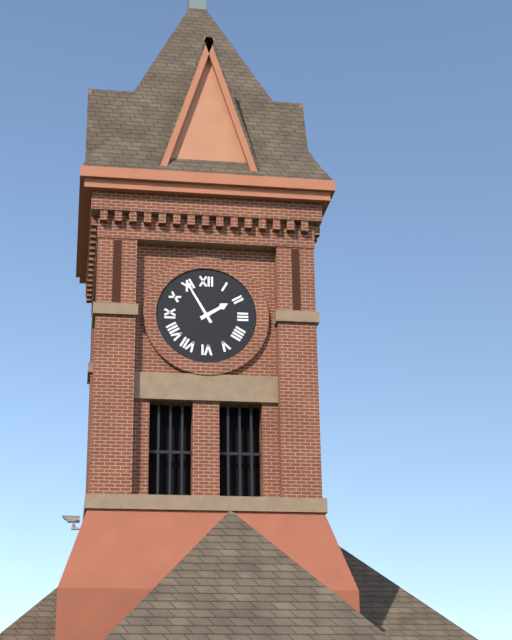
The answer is 1:55
